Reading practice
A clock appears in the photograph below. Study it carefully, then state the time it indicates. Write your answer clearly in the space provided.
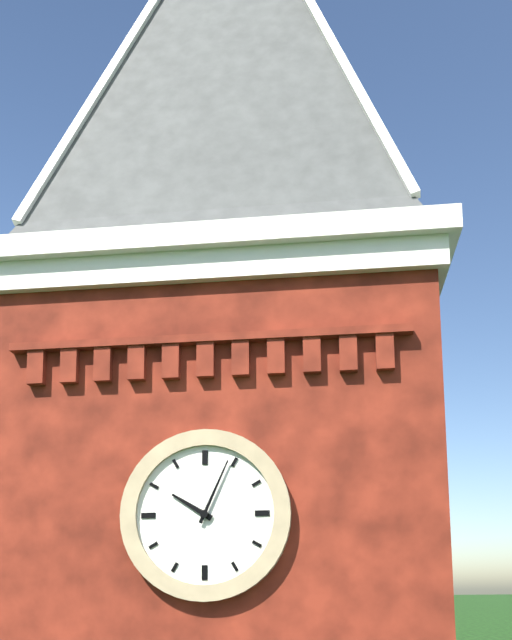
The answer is 10:04
